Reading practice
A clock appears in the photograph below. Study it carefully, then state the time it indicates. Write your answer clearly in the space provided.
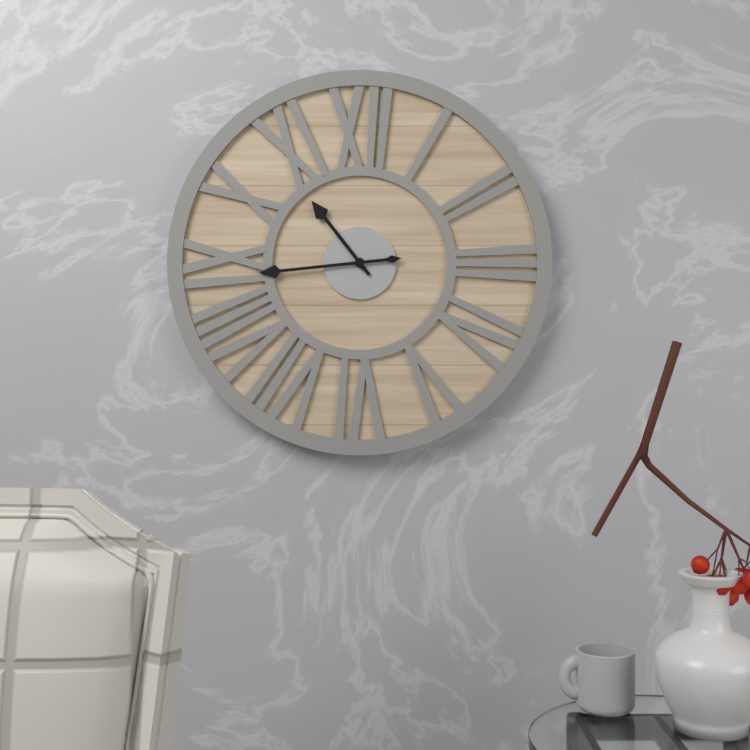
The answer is 10:44
